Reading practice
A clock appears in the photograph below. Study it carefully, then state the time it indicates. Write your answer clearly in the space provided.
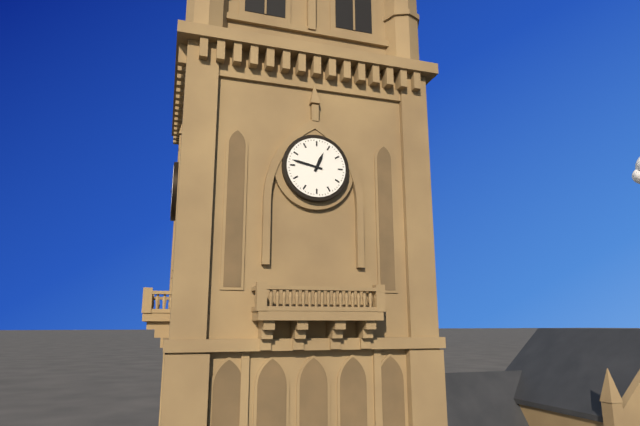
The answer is 12:47
